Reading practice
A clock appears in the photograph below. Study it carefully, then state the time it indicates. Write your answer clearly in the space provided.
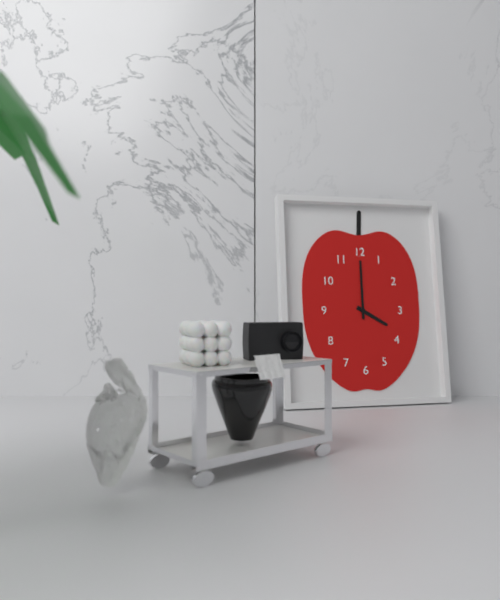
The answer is 4:00
